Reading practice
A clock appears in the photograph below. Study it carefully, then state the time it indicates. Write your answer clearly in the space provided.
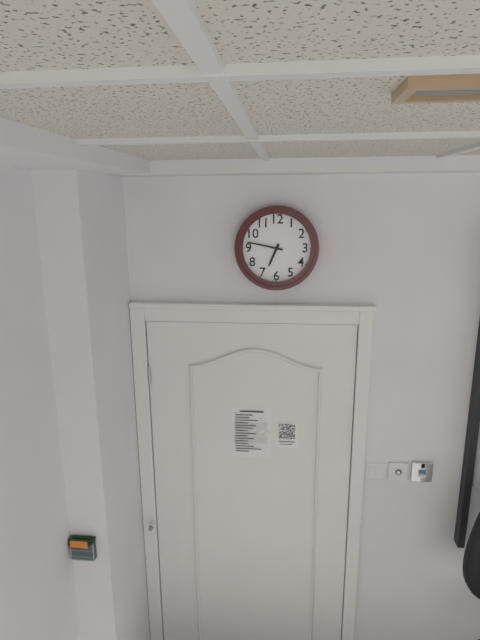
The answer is 6:47
